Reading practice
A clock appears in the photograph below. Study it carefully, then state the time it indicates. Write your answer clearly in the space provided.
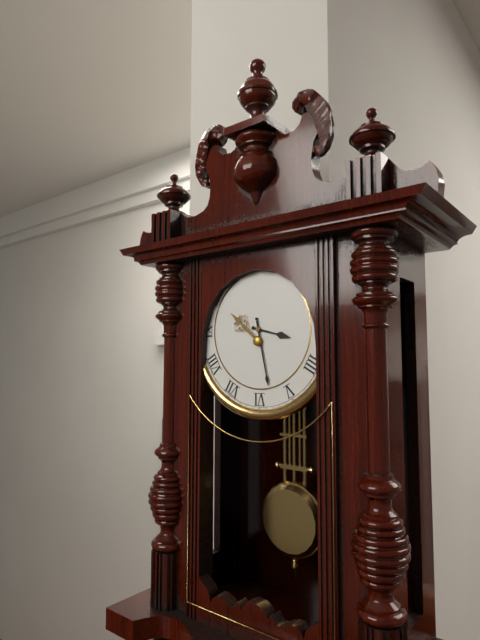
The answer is 3:28
